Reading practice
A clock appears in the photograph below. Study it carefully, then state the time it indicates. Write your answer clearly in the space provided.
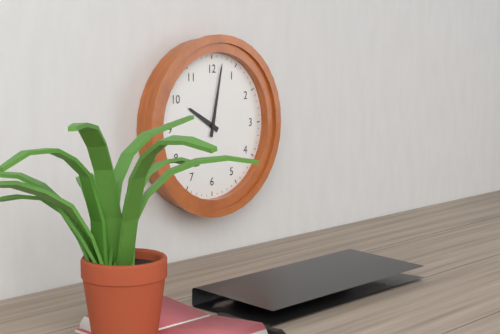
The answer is 10:02
